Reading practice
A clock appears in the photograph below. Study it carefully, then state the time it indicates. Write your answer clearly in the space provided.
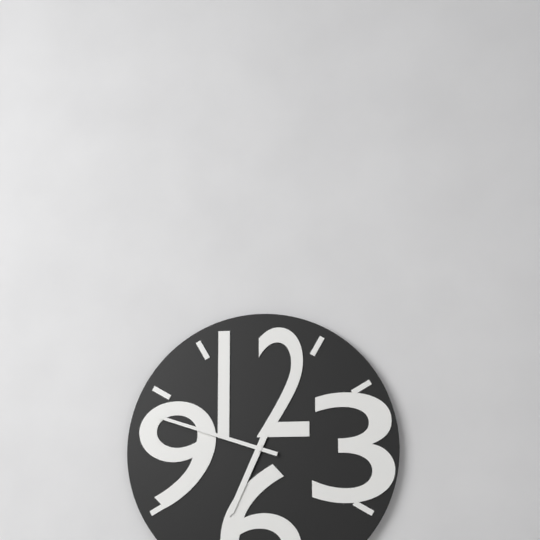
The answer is 6:48
